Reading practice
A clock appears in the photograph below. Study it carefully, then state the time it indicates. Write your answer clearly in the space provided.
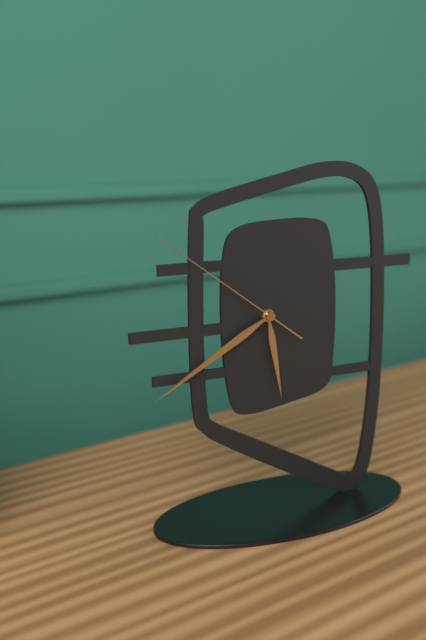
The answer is 5:40:51
